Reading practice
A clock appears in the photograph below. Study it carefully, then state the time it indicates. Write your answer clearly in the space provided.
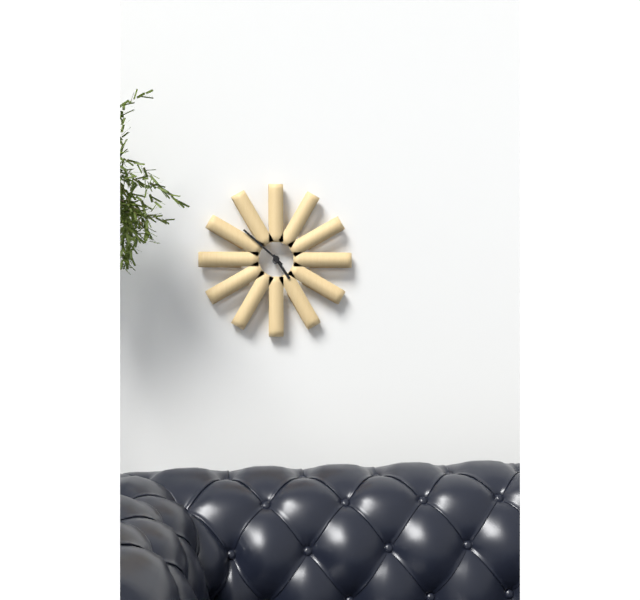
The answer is 4:52
